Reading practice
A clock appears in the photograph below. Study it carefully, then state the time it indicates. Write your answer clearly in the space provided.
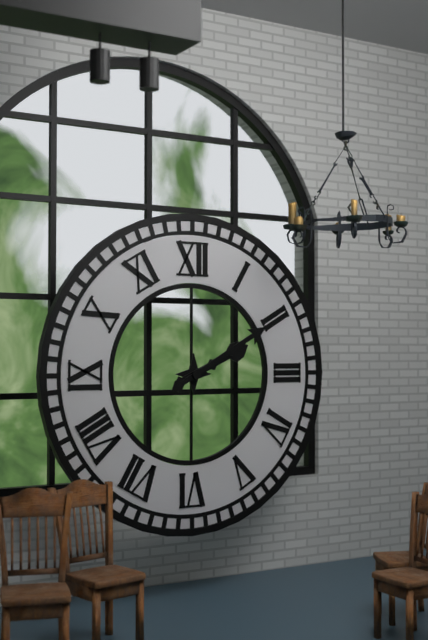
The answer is 2:10
